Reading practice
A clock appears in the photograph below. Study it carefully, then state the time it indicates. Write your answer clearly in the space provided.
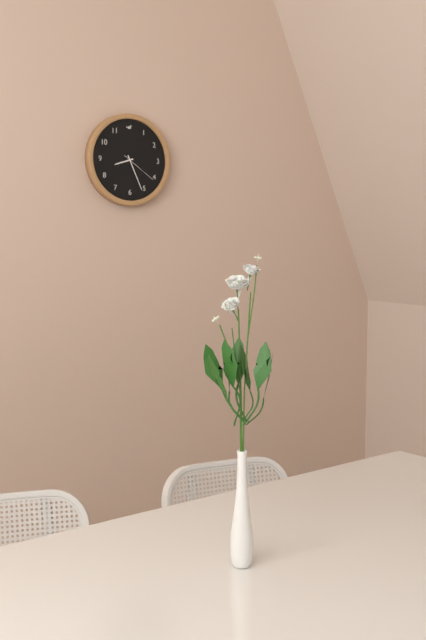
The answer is 8:26
